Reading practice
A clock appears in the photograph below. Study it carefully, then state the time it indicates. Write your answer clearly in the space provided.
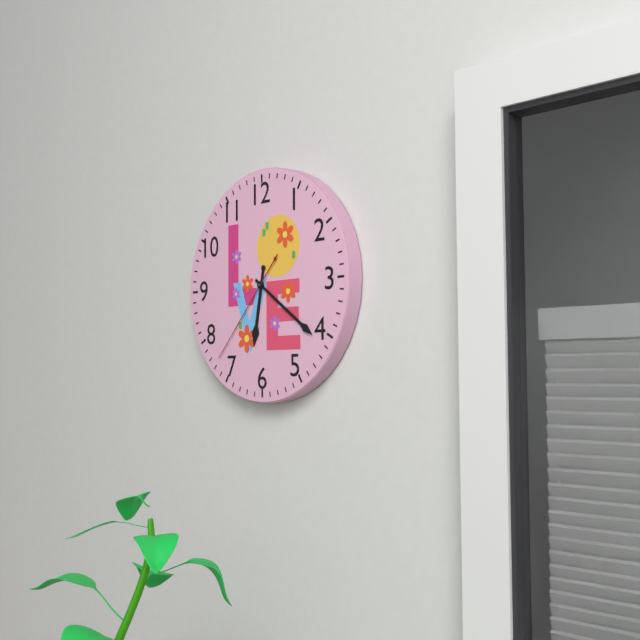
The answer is 6:21:37
